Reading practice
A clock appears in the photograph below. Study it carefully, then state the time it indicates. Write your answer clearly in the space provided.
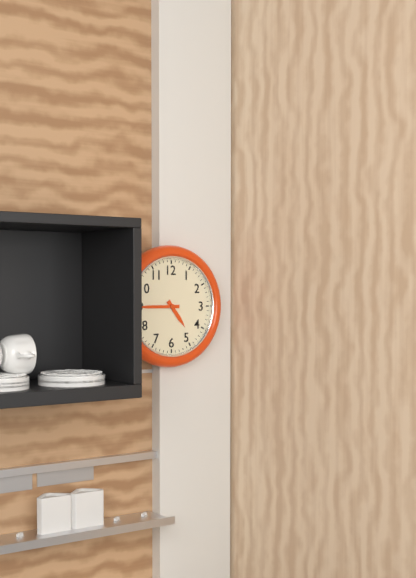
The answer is 4:45
